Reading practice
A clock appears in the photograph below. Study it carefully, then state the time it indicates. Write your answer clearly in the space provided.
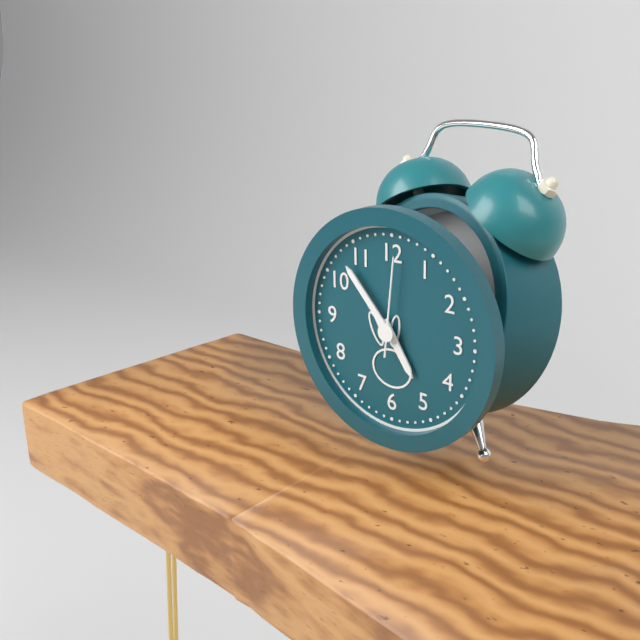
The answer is 4:53:01
